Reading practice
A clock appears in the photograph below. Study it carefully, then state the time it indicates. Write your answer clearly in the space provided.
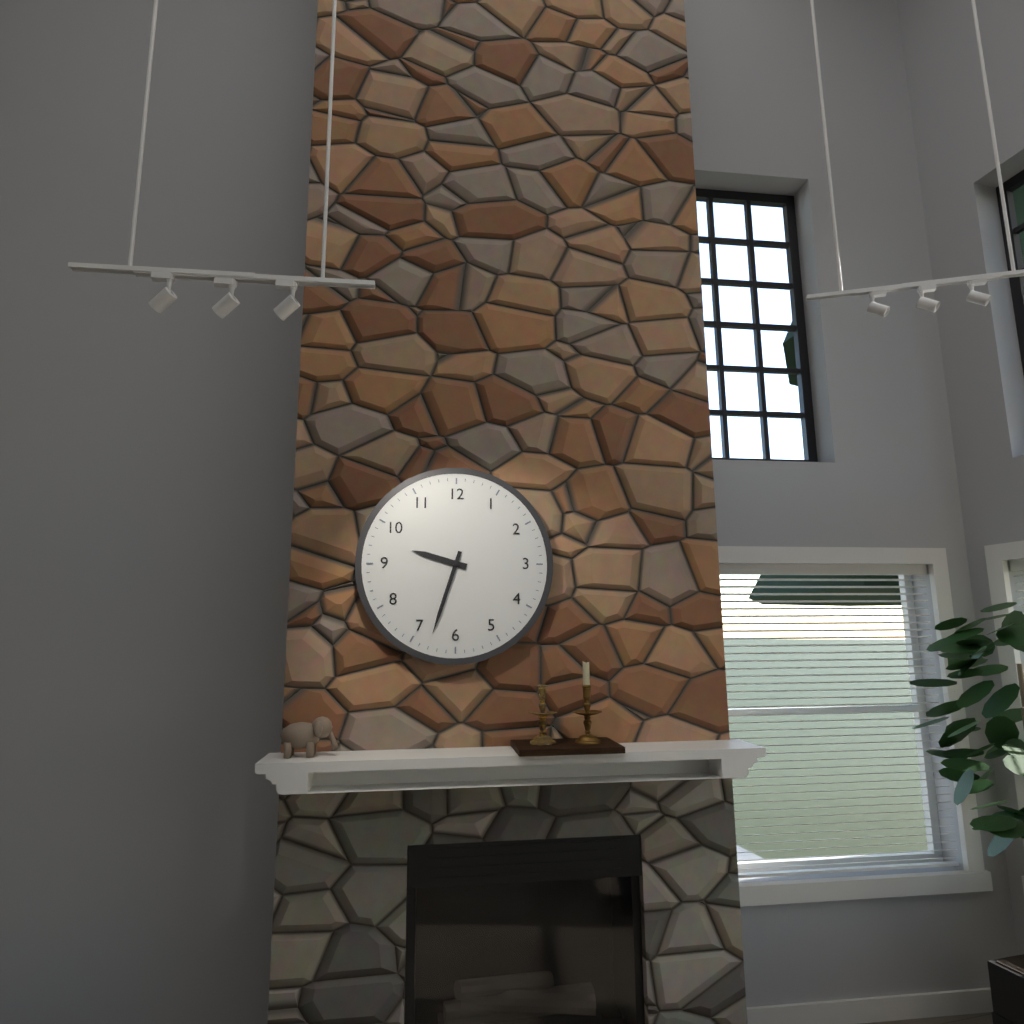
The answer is 9:33
